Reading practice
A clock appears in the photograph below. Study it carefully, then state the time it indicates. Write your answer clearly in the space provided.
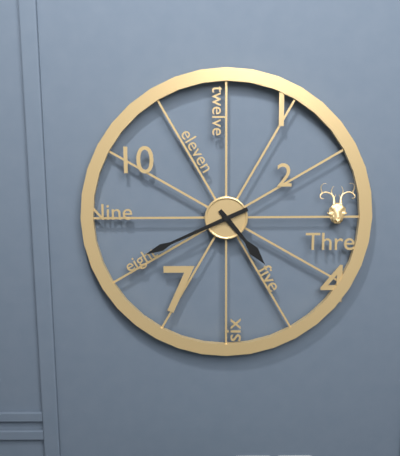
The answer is 4:41
